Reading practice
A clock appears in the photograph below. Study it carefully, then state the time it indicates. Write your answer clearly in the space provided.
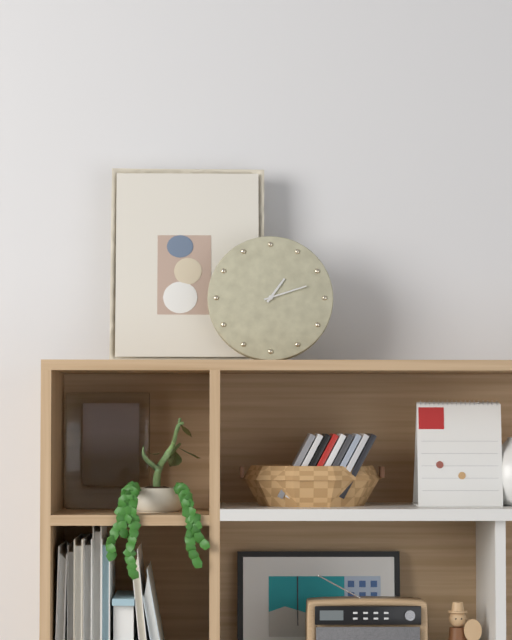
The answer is 1:12
